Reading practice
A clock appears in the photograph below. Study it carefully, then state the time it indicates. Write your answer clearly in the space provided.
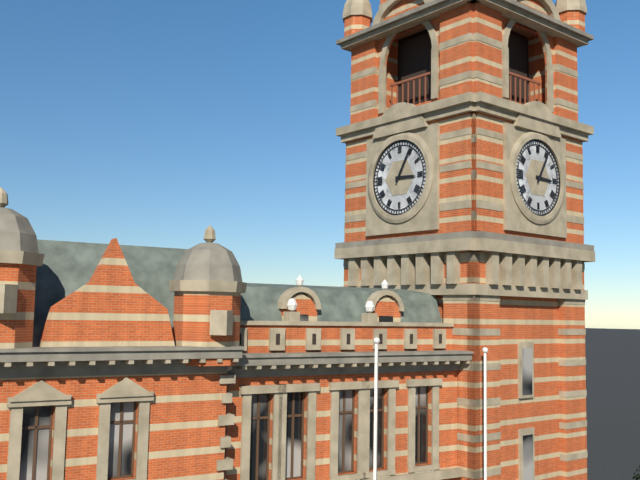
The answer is 3:05
